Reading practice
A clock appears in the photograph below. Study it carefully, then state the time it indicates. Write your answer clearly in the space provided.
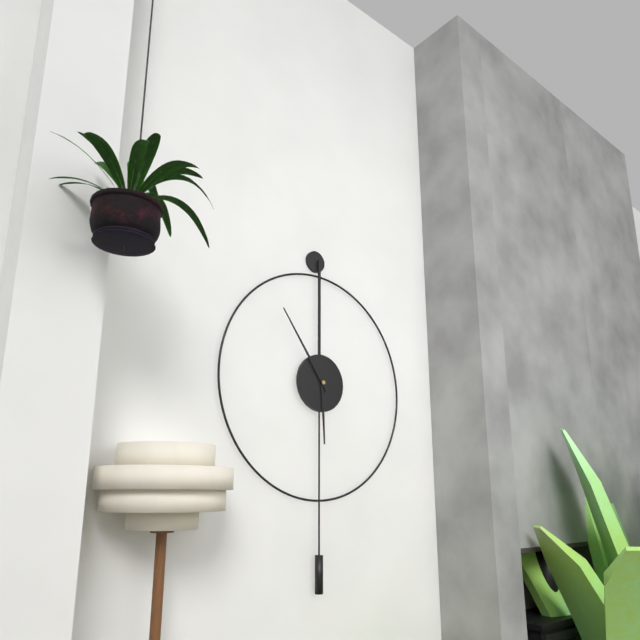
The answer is 5:54
